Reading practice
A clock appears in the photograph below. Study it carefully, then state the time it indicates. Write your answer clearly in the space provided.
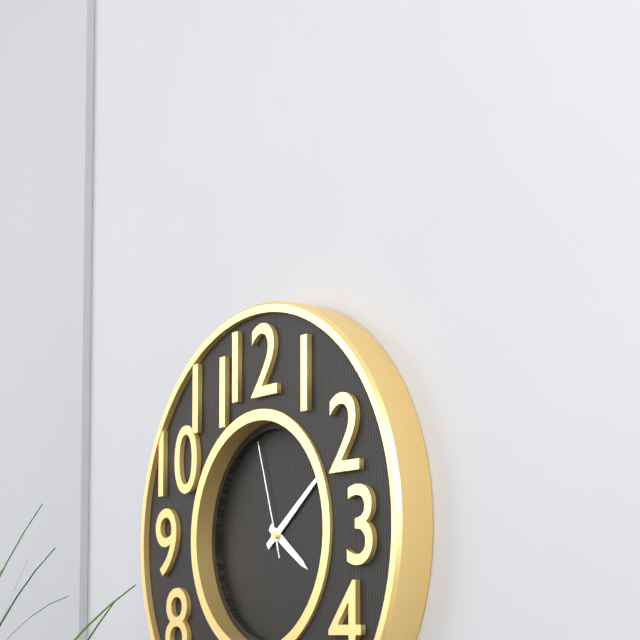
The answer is 4:09:57
